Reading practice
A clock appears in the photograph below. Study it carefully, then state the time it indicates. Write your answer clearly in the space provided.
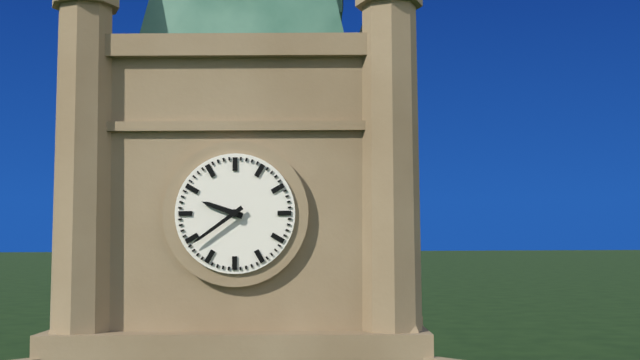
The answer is 9:39
